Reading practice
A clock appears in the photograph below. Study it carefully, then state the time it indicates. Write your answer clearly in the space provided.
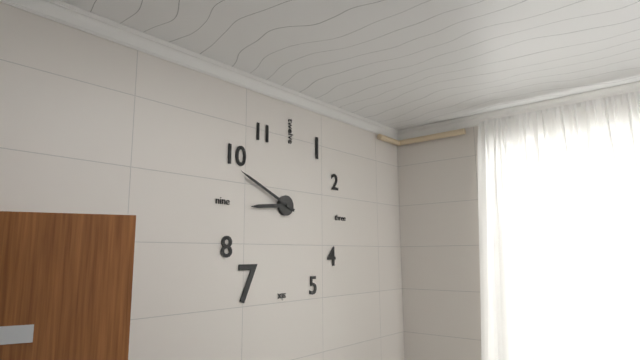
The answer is 8:49
